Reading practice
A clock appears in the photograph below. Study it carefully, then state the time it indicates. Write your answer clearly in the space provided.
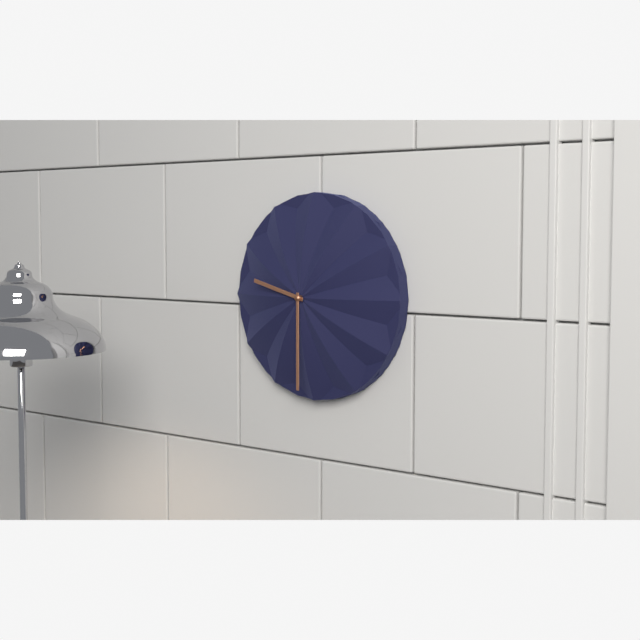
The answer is 9:30
